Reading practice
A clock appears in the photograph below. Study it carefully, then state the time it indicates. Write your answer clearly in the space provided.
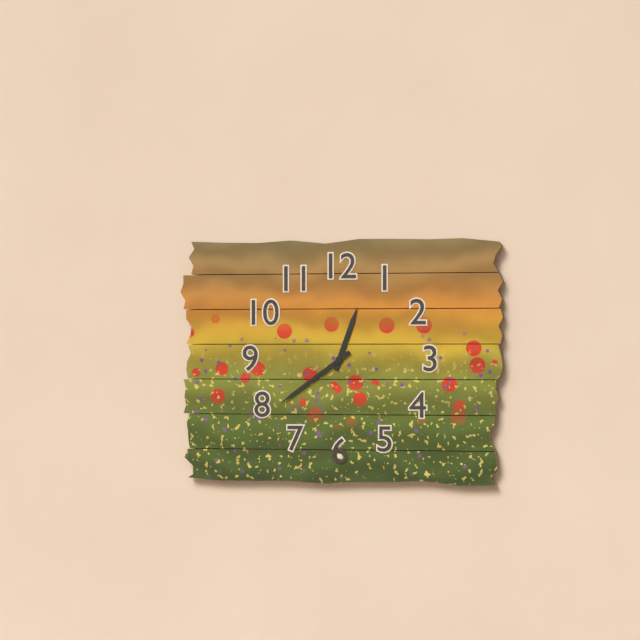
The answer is 12:39
